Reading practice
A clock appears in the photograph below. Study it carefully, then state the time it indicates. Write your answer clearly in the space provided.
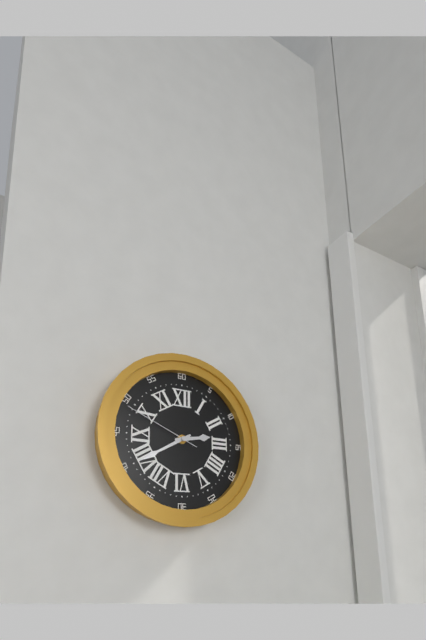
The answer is 2:40:49
